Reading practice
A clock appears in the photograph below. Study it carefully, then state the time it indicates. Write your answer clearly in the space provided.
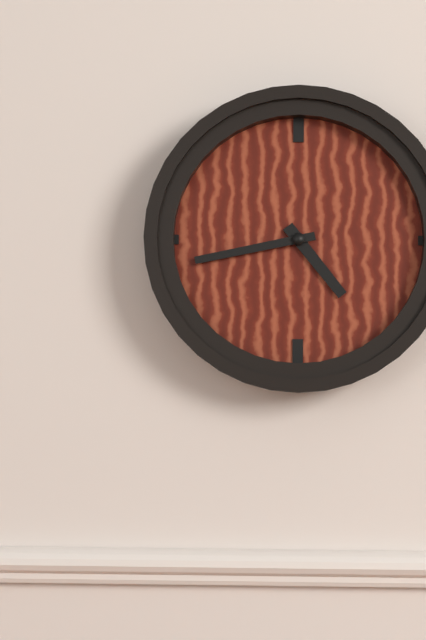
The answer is 4:43
